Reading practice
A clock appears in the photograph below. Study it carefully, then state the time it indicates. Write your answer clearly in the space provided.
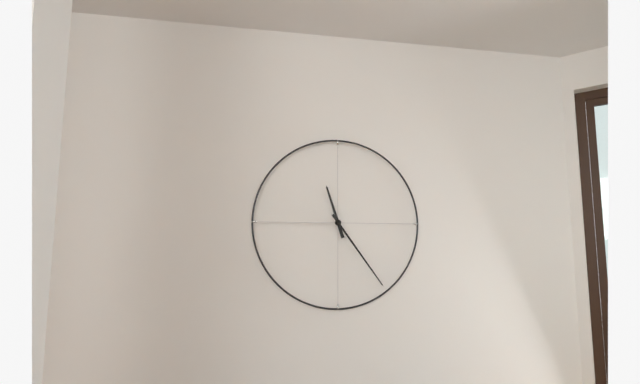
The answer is 11:24
